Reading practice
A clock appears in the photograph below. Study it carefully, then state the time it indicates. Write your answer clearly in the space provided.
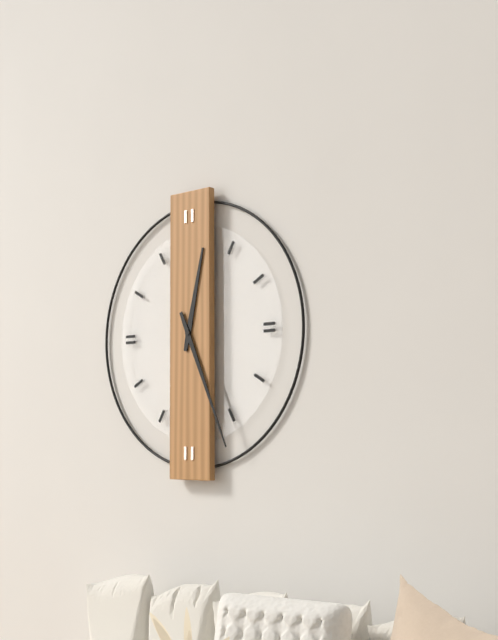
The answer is 12:26
